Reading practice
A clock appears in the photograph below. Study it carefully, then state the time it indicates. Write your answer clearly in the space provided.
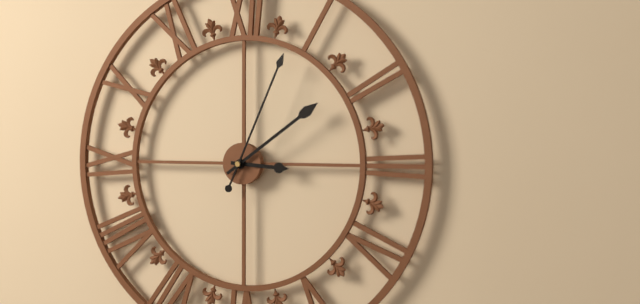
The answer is 3:09:04
